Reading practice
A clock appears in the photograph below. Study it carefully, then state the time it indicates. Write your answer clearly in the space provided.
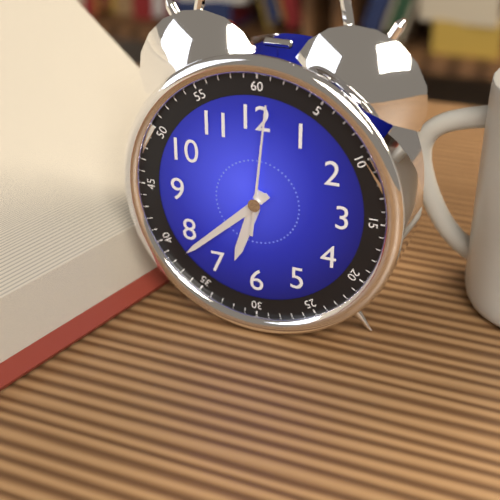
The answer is 6:38:01
